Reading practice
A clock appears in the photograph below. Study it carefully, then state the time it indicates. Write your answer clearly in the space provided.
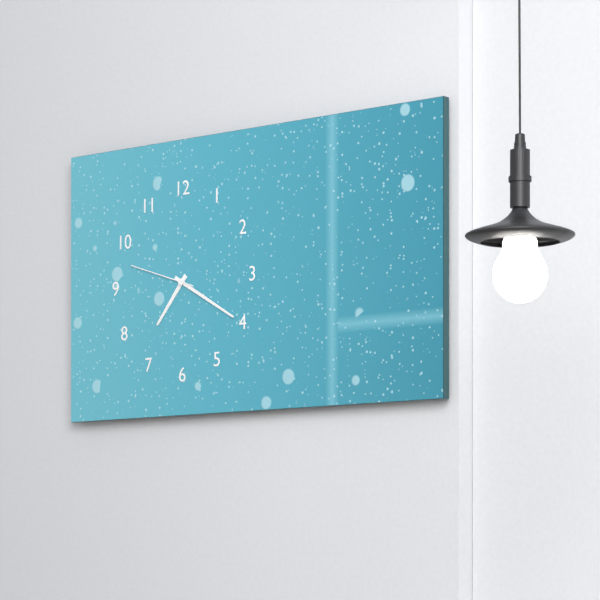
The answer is 7:20:48
